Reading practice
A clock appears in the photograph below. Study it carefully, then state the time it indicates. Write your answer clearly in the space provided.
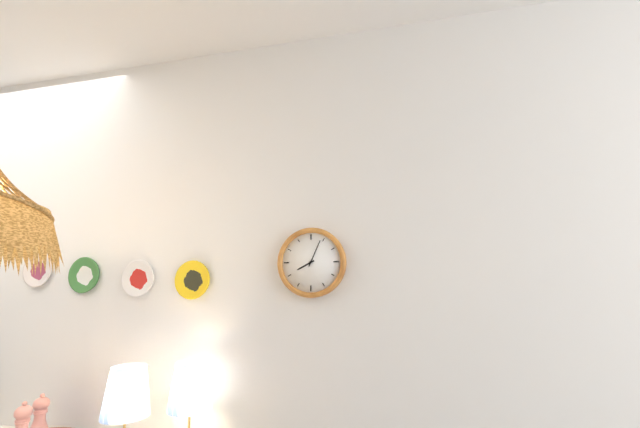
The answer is 8:04
